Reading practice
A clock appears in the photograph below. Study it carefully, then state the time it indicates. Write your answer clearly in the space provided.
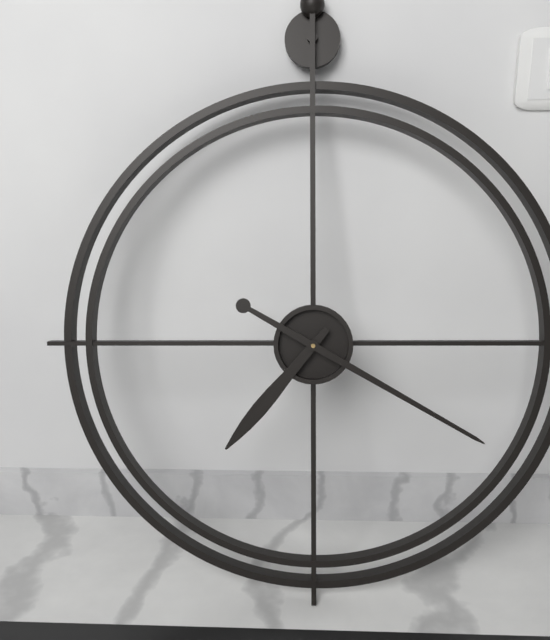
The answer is 7:20
